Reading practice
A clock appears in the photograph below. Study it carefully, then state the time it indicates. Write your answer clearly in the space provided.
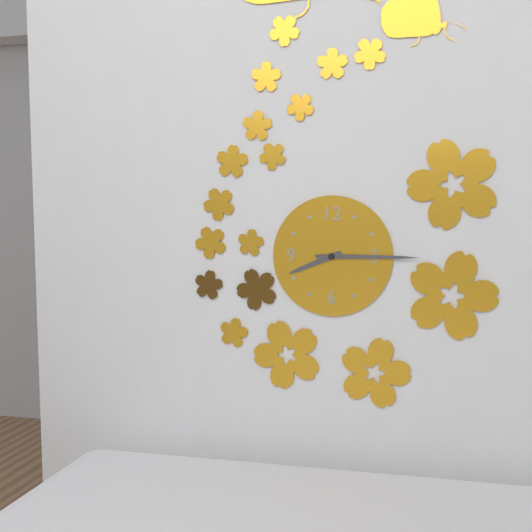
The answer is 8:15
